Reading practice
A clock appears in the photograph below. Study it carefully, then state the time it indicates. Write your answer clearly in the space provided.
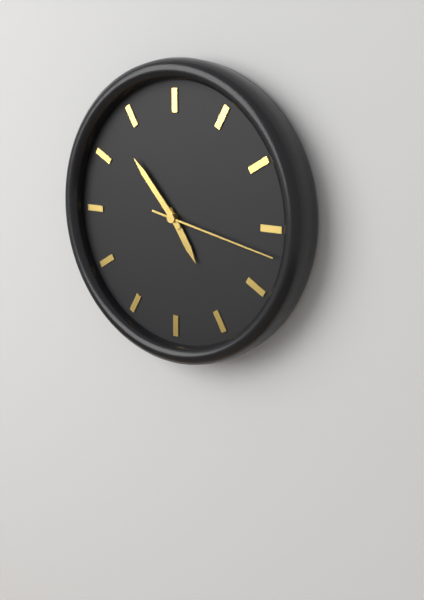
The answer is 4:53:17
